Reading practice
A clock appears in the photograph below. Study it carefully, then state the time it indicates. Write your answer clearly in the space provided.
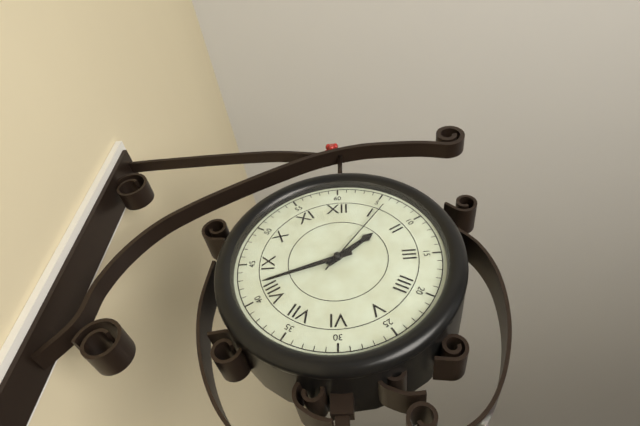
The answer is 1:42:06
